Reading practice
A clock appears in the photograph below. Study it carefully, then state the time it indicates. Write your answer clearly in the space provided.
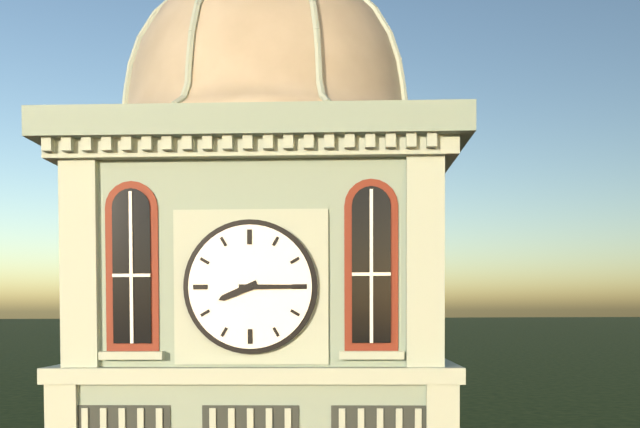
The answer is 8:15
